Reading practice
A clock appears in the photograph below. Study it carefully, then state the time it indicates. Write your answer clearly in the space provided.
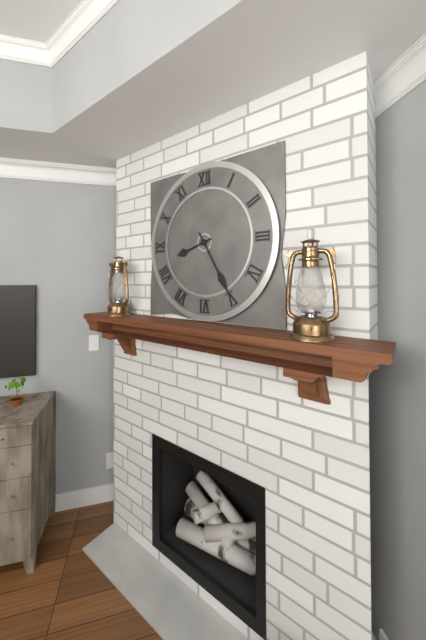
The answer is 8:25
